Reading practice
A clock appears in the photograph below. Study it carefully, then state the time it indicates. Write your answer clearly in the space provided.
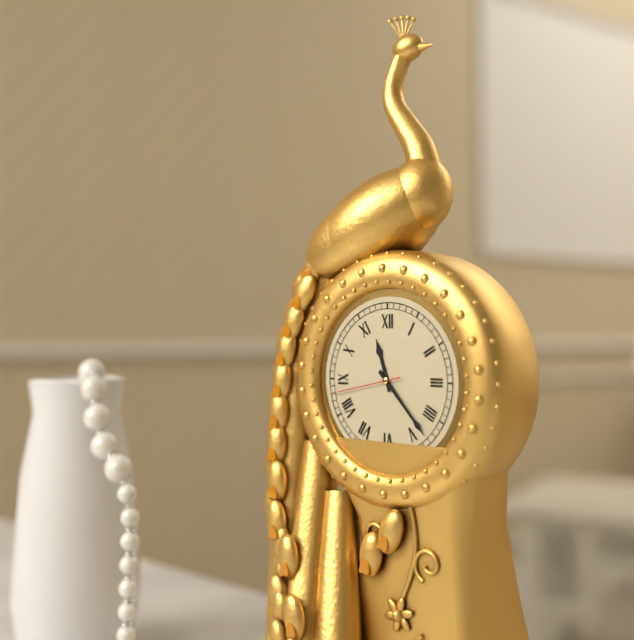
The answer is 11:23:43
